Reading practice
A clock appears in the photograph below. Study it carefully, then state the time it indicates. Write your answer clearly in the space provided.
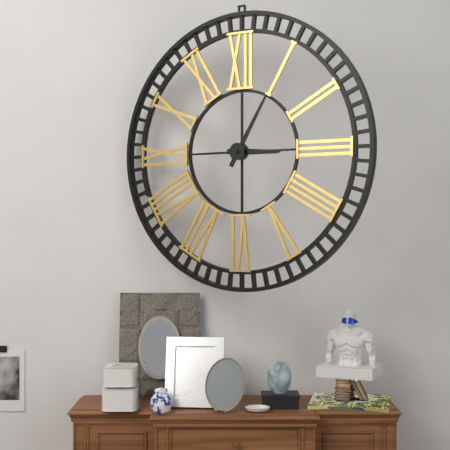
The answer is 3:05
